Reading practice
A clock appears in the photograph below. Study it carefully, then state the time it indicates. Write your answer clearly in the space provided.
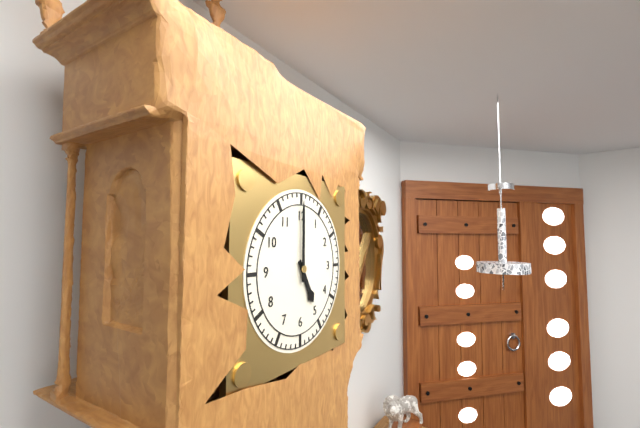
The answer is 5:00
